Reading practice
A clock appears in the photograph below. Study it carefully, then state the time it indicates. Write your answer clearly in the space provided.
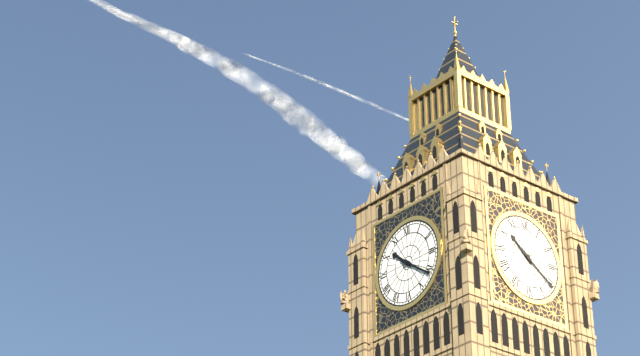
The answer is 10:21
